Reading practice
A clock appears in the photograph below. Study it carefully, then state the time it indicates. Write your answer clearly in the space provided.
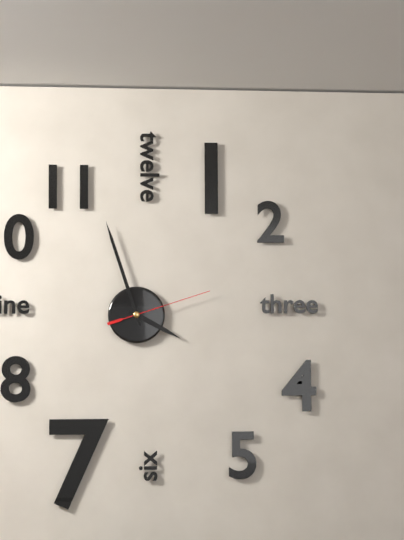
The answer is 3:57:12
